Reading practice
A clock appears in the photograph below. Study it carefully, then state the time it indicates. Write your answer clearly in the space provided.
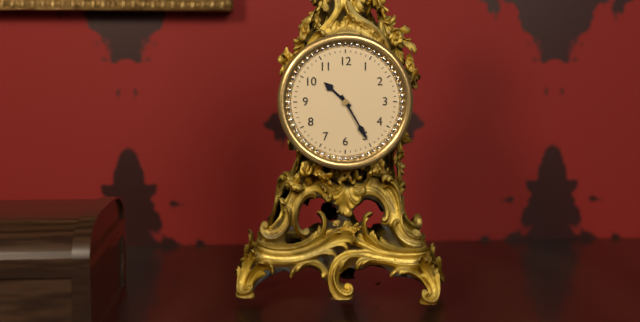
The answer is 10:25
